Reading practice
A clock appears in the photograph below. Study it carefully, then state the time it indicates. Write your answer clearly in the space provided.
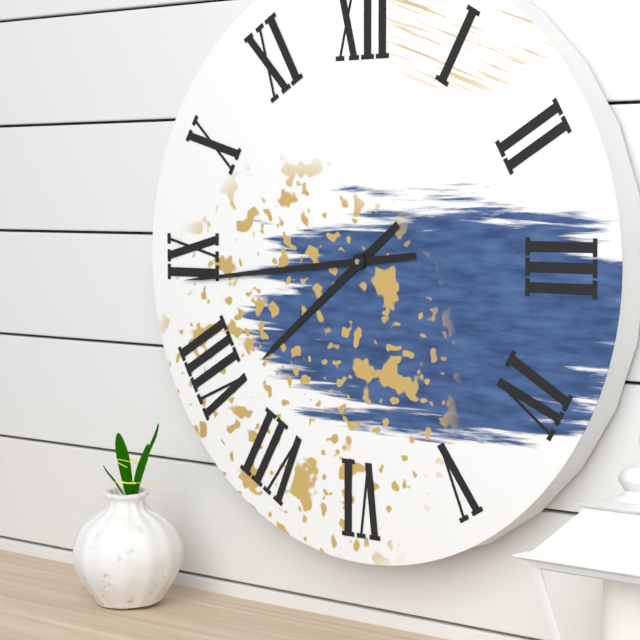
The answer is 7:44
